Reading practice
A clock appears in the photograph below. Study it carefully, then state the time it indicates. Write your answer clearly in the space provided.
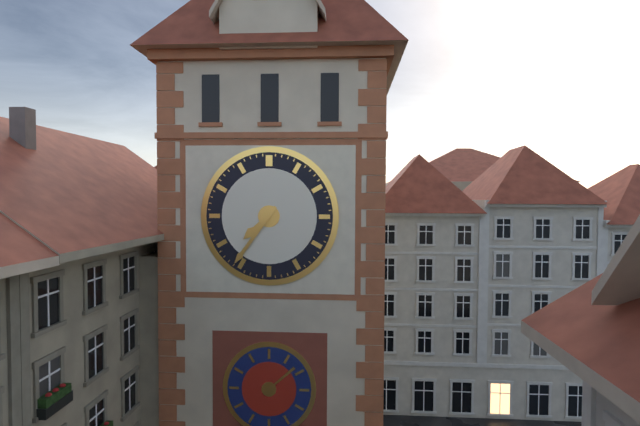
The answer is 7:36
